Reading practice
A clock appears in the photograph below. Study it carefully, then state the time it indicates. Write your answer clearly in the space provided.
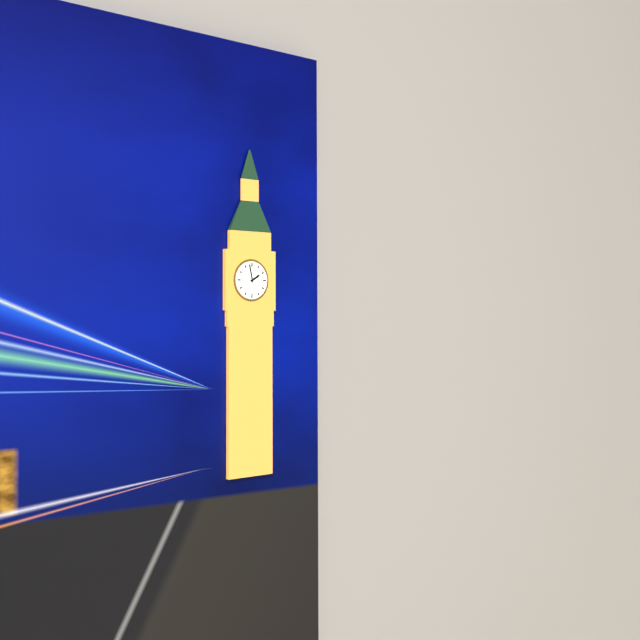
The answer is 1:58
